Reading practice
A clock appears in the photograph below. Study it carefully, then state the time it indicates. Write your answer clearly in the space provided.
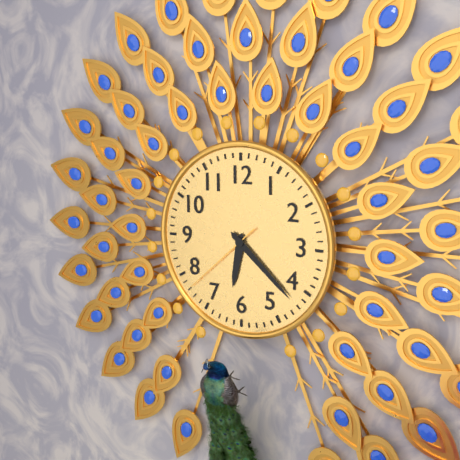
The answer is 6:22:38
